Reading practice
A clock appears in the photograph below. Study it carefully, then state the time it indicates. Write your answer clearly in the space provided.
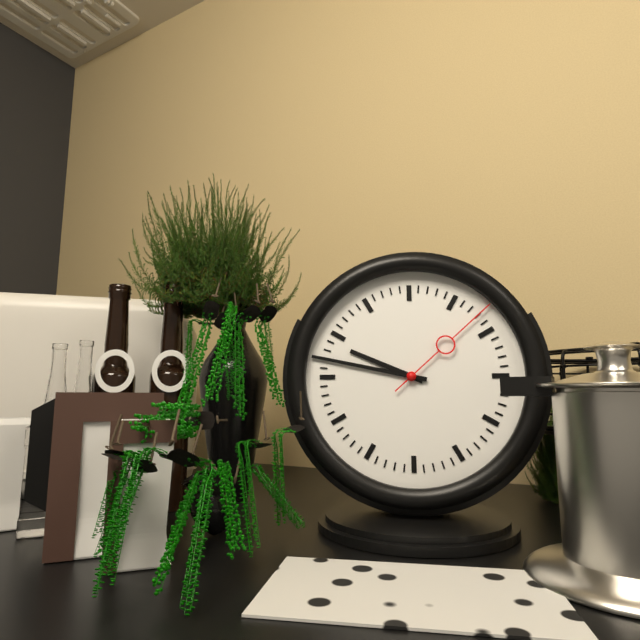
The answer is 9:47:08
